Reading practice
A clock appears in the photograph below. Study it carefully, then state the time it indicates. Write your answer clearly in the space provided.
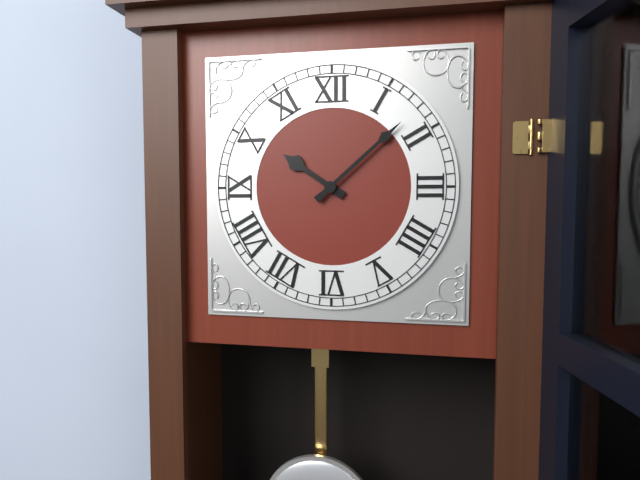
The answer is 10:08
